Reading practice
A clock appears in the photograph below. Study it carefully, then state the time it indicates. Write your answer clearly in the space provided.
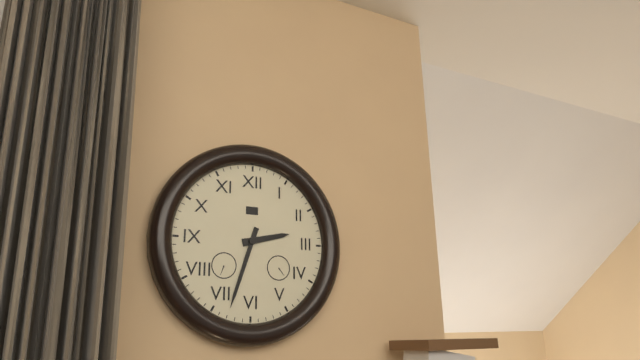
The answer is 2:33
